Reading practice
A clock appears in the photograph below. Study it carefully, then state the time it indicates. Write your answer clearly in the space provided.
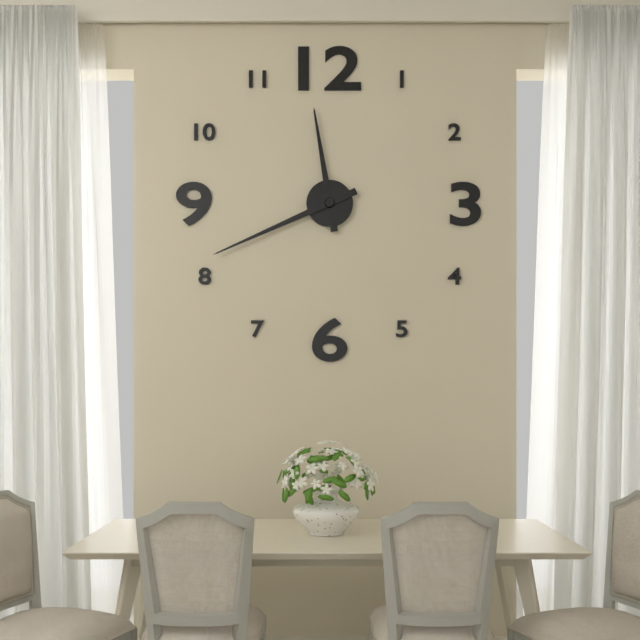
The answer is 11:41
